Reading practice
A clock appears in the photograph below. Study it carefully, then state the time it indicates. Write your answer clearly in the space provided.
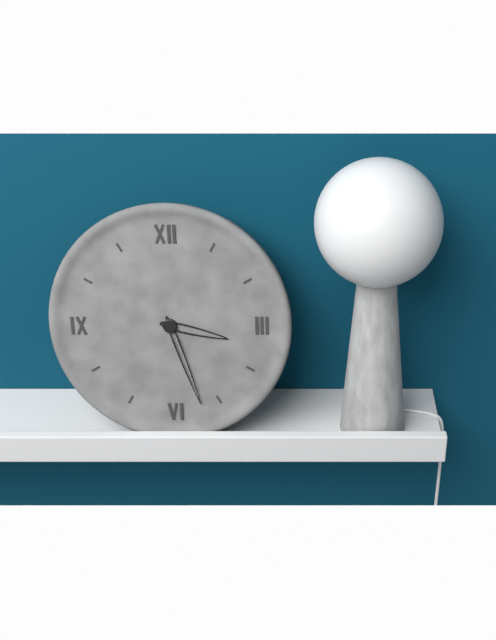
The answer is 3:27
